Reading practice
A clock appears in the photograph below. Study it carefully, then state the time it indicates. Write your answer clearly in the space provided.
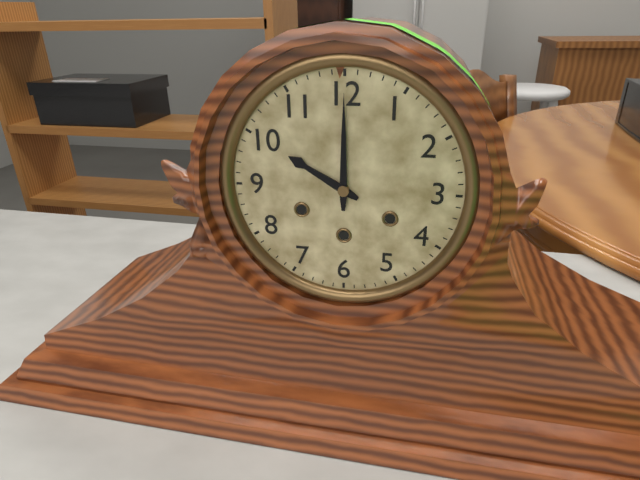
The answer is 10:00
